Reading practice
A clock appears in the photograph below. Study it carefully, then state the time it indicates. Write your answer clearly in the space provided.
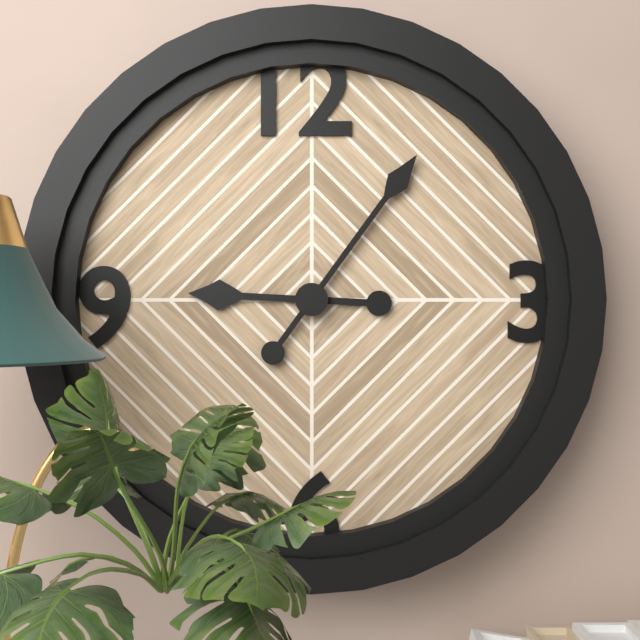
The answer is 9:06
